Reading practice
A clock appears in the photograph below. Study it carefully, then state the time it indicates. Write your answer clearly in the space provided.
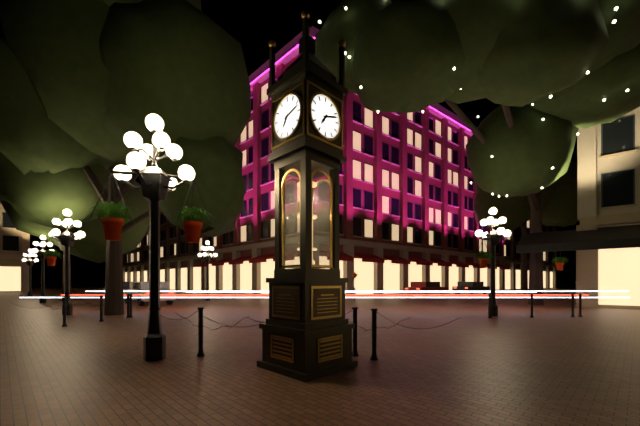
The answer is 7:12
